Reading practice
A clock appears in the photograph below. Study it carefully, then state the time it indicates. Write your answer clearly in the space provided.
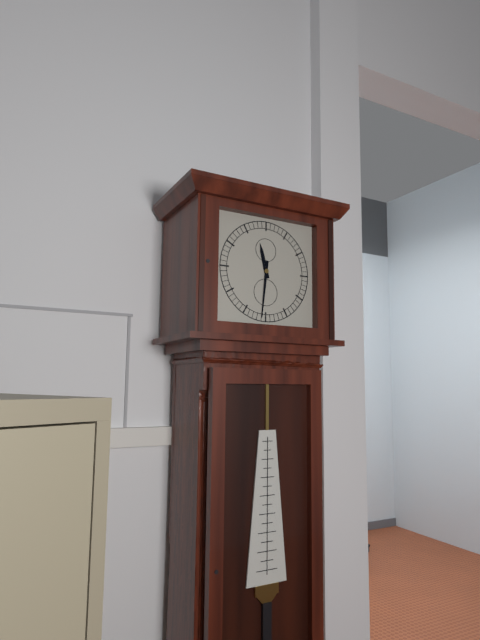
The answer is 11:31
